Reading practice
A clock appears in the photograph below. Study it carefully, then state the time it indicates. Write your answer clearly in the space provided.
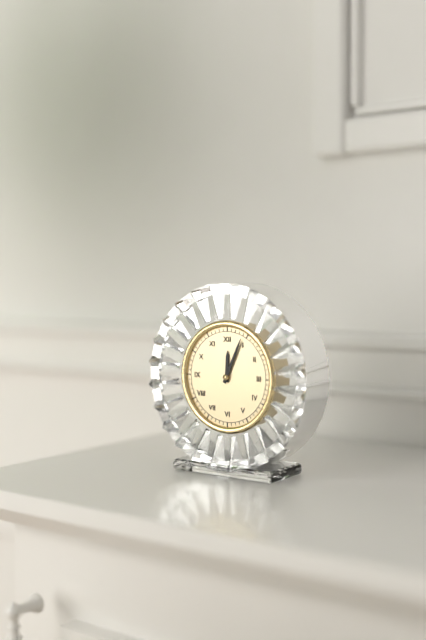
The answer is 12:04
